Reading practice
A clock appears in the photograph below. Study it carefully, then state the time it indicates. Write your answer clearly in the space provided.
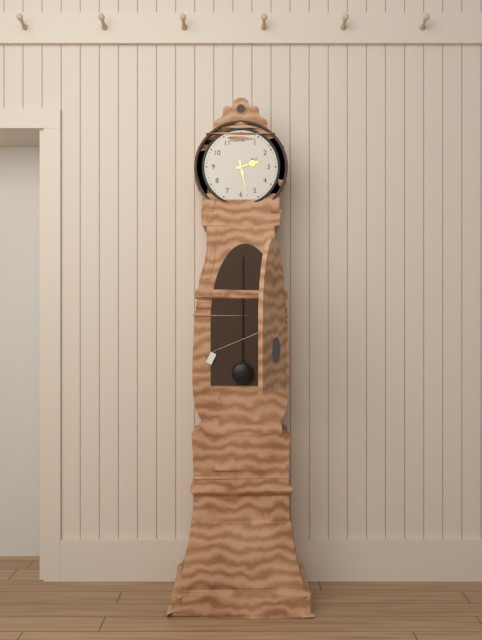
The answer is 2:28
